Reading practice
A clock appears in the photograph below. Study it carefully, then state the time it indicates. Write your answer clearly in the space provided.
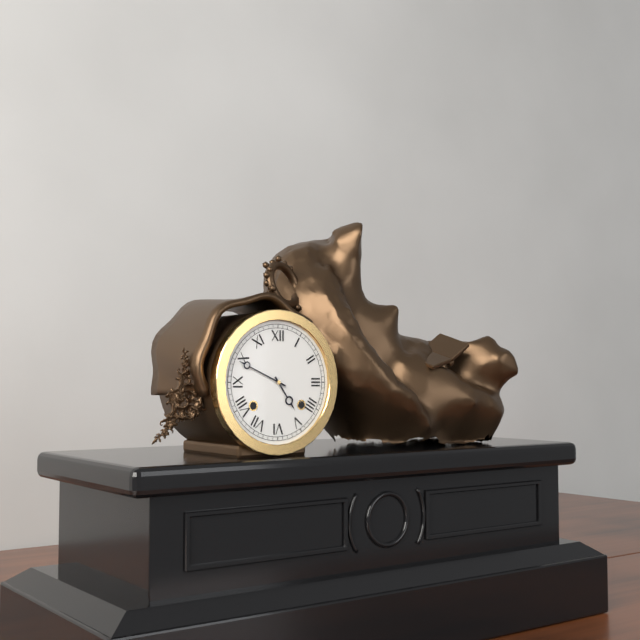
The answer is 4:49
